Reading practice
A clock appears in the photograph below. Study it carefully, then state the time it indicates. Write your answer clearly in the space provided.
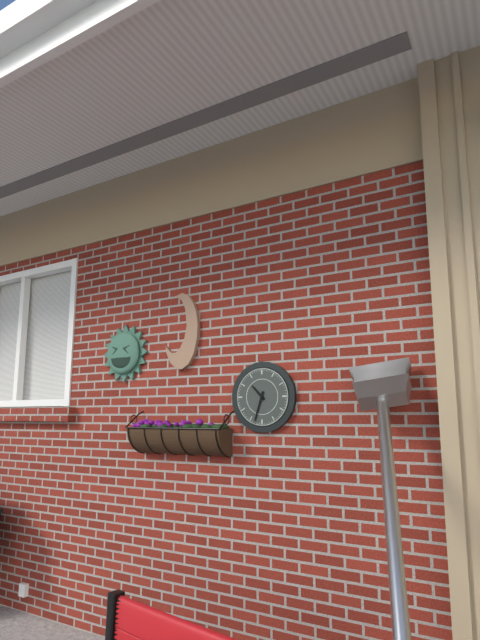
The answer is 10:33
